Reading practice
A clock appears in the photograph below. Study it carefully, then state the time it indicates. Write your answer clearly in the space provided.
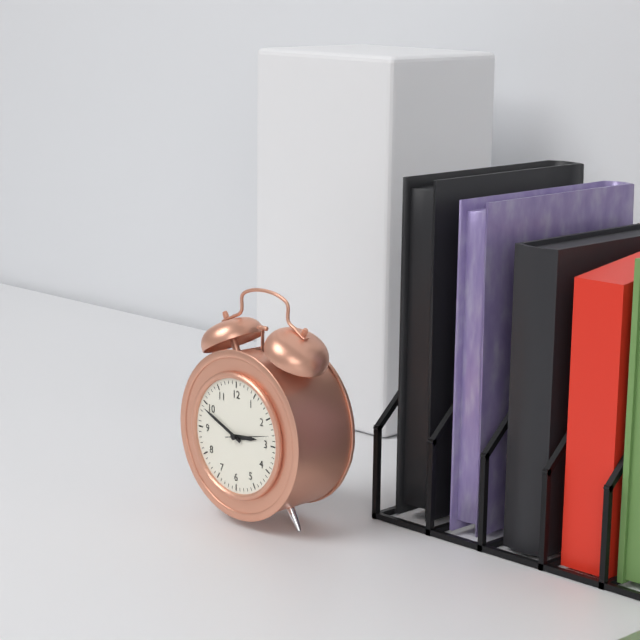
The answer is 2:49
